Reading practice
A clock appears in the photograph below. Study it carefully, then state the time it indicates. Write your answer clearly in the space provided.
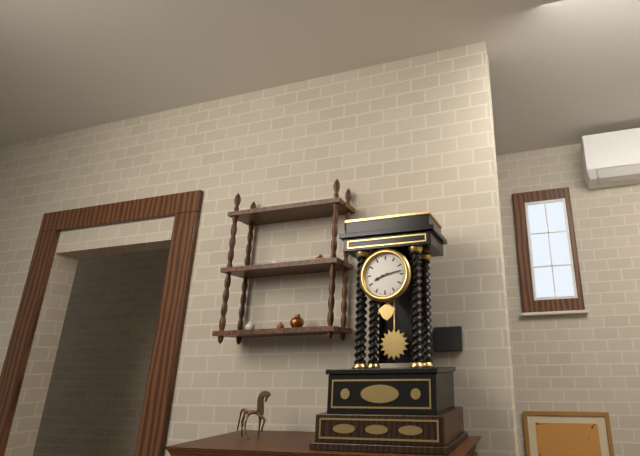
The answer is 8:13
